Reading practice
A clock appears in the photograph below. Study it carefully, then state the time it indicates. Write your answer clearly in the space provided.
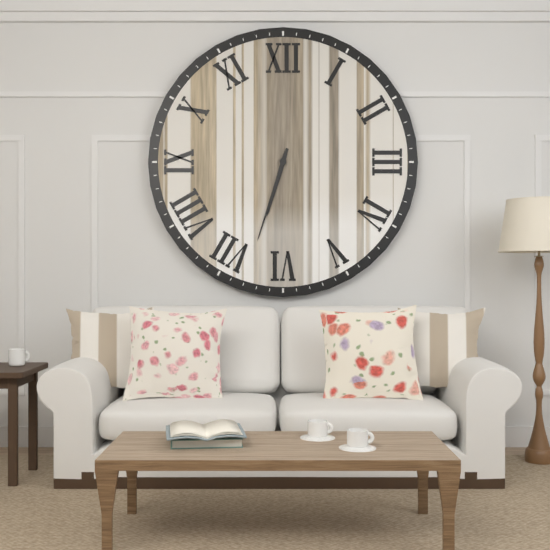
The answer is 6:33
